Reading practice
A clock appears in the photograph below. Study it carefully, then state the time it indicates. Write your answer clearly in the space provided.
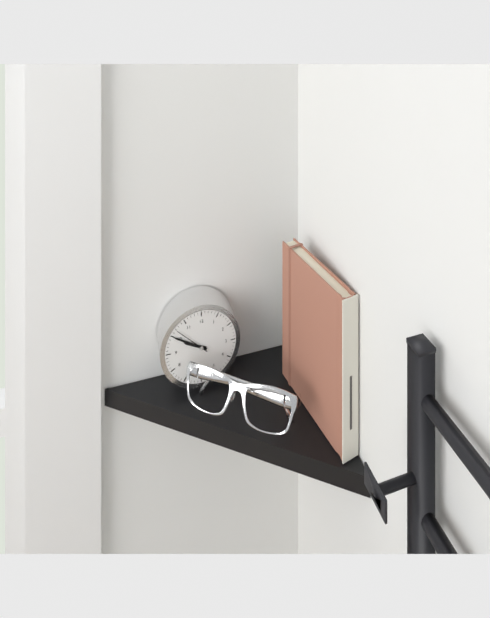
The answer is 9:50
